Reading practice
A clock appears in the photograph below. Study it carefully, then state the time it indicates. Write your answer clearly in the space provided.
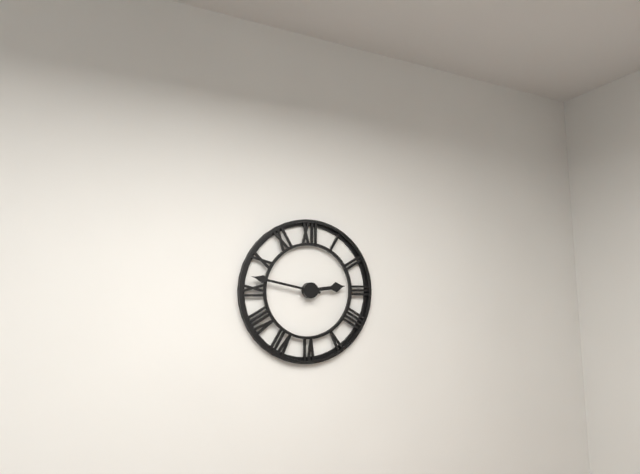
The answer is 2:47
